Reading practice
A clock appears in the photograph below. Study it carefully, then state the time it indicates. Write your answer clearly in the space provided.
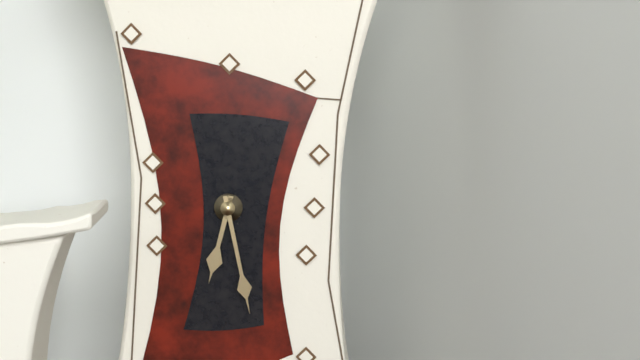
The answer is 6:28
